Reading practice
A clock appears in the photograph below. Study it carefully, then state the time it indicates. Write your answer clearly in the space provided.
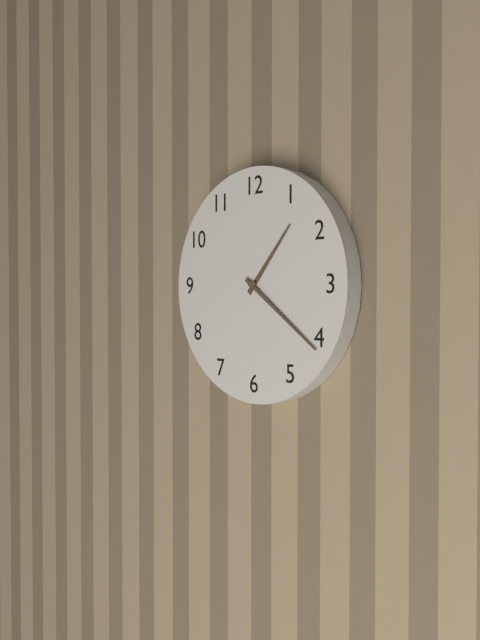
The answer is 1:21
